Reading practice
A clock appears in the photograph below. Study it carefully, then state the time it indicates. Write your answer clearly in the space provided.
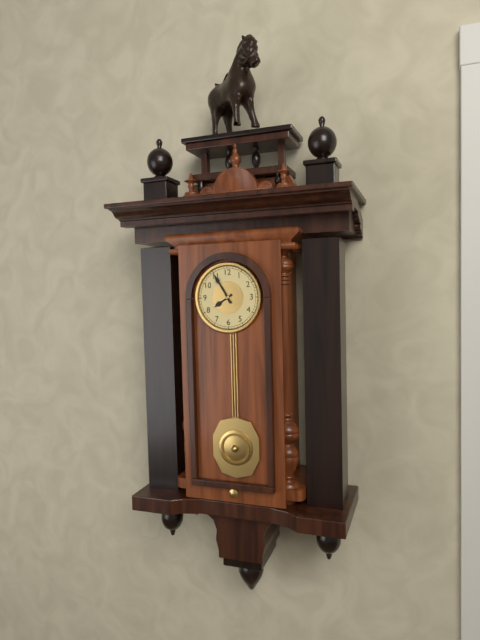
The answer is 7:55
